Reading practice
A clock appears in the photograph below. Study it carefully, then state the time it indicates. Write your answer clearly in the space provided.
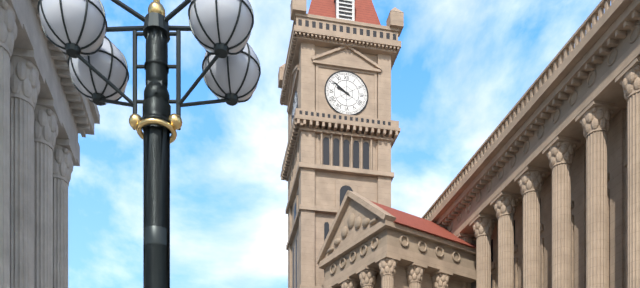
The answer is 9:51
